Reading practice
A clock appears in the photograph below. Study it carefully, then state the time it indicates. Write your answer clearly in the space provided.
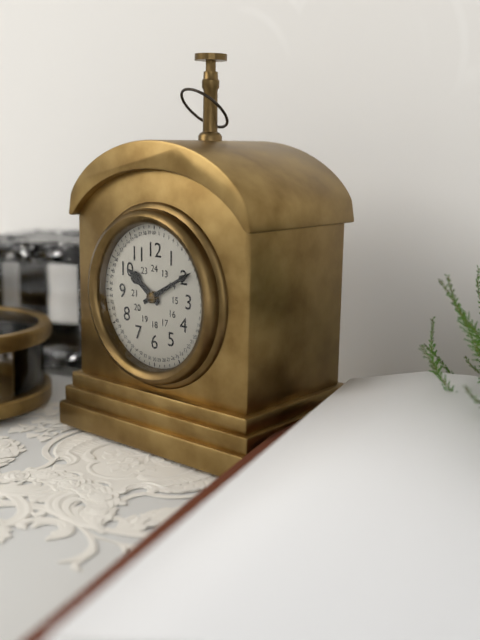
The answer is 10:10
